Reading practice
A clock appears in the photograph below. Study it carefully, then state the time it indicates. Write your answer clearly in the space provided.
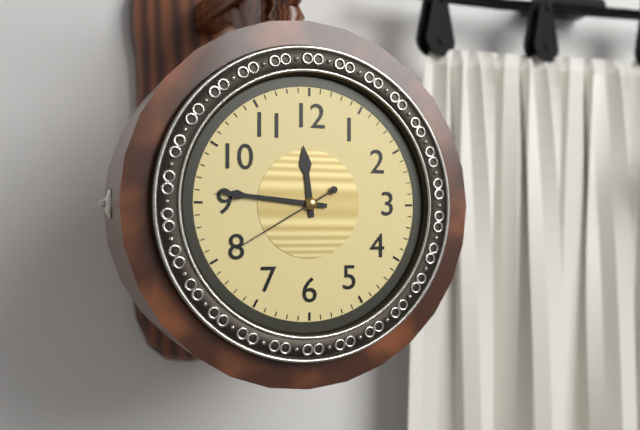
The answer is 11:46:40
